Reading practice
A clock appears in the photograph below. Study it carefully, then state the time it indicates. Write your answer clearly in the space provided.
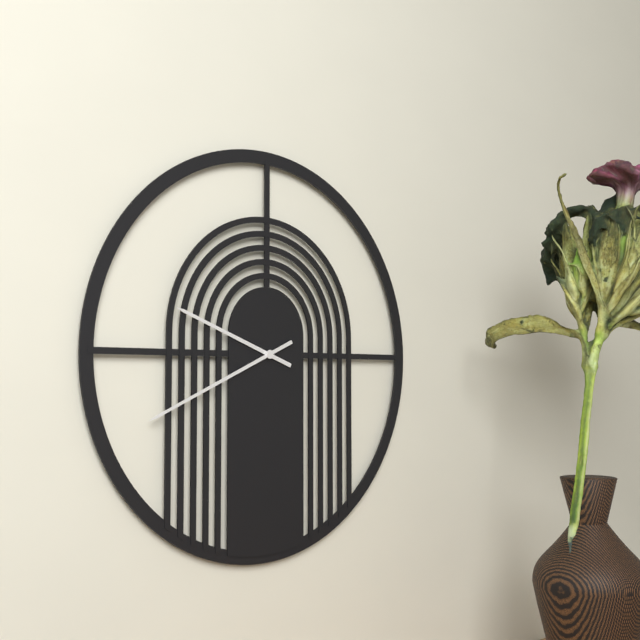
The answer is 9:41
